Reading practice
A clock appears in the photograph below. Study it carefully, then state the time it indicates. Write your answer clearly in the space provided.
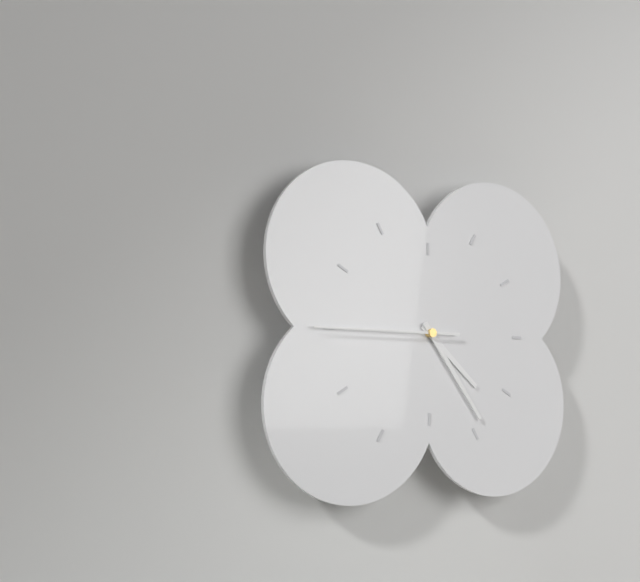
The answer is 4:24:45
